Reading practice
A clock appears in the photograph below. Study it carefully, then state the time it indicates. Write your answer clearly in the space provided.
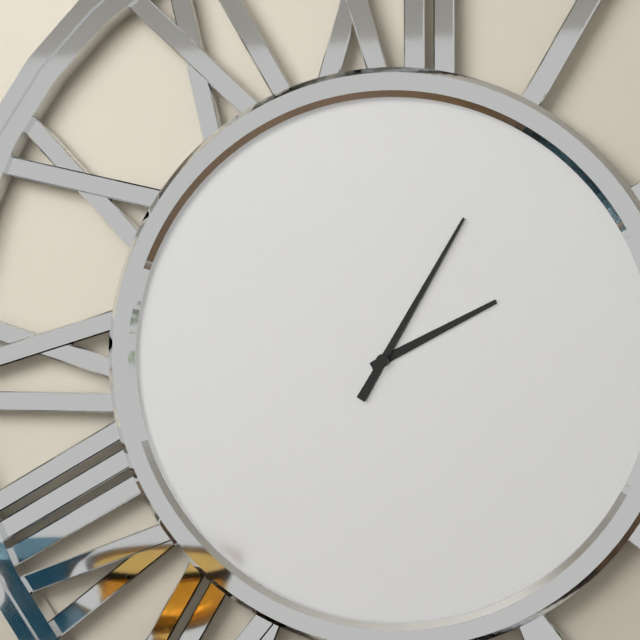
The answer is 2:05
